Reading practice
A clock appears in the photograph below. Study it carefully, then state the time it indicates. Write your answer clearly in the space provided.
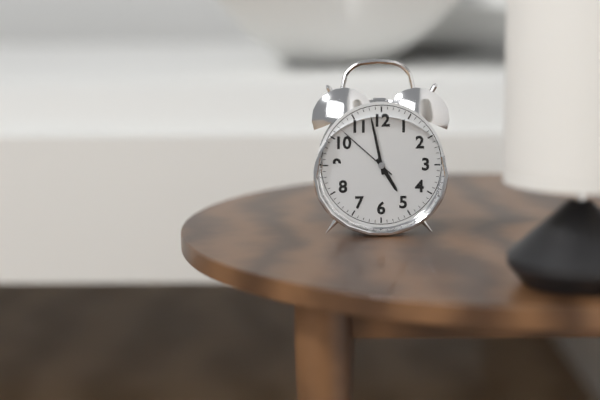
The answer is 4:58:52
